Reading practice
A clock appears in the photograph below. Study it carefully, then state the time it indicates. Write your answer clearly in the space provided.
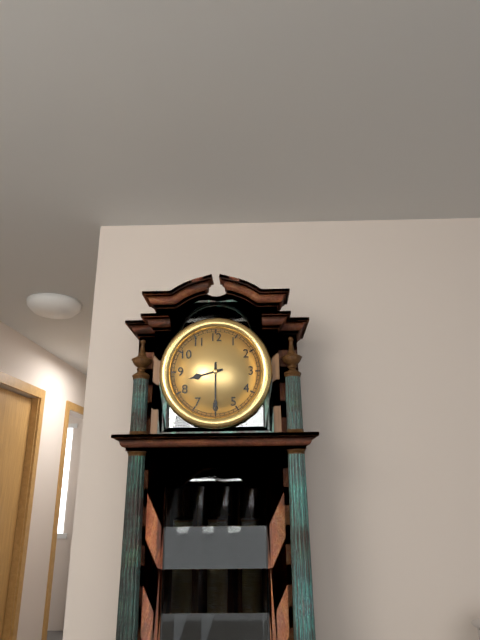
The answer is 8:30
